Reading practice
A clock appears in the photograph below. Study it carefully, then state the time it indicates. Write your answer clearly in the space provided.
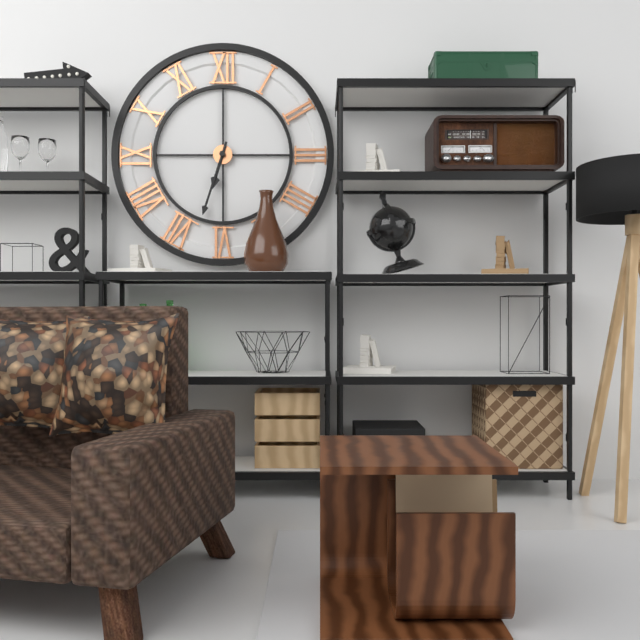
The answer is 6:33
